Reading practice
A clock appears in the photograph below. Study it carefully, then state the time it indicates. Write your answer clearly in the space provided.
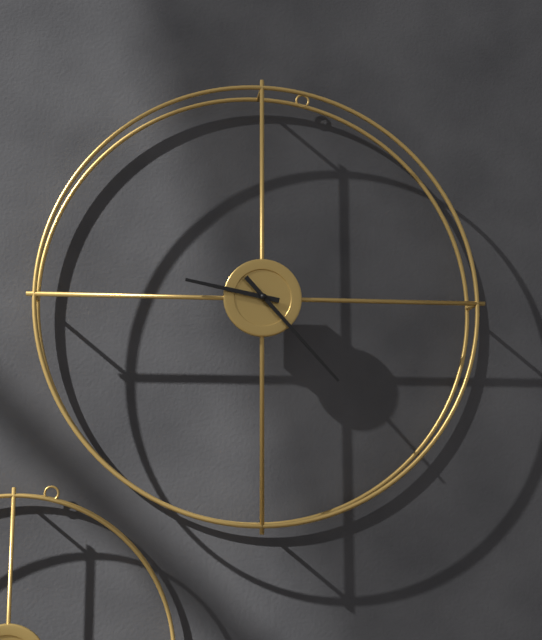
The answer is 9:23
